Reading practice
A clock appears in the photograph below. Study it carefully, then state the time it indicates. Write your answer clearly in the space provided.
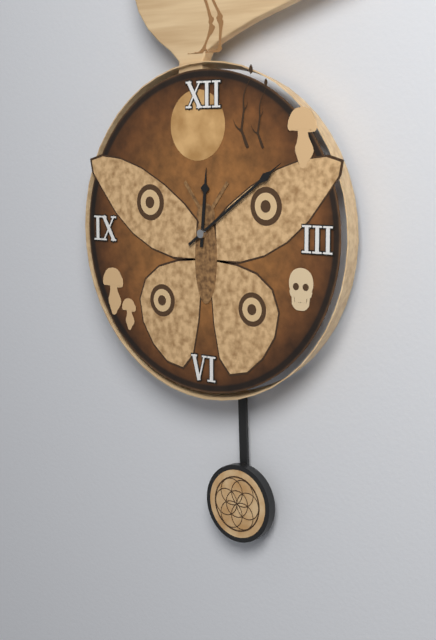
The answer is 12:09
